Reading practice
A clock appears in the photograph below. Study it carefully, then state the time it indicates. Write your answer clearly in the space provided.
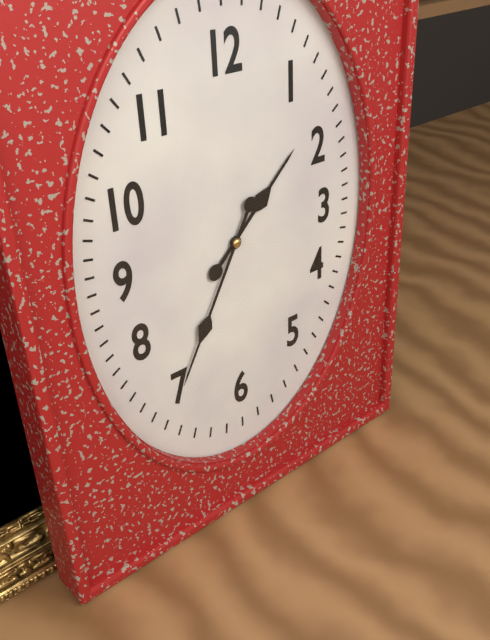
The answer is 1:35
